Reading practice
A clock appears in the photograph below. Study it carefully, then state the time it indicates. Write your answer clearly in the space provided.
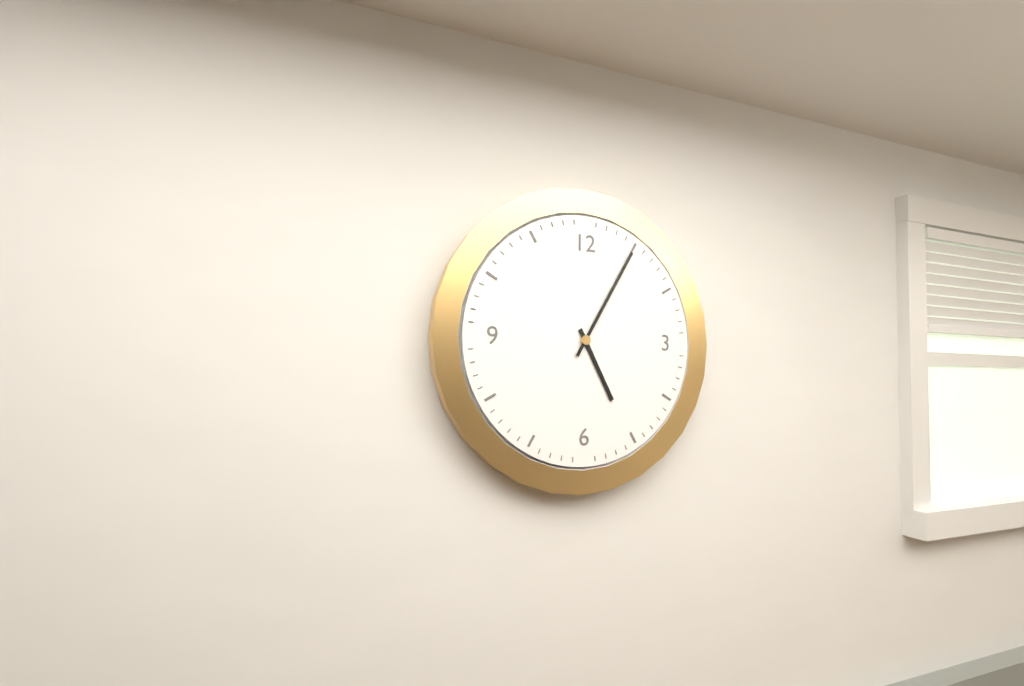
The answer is 5:05
